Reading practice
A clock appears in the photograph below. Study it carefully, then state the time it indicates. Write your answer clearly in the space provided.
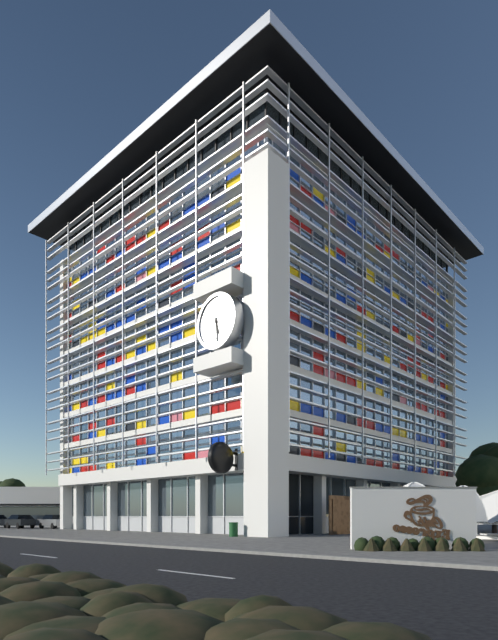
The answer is 5:29
